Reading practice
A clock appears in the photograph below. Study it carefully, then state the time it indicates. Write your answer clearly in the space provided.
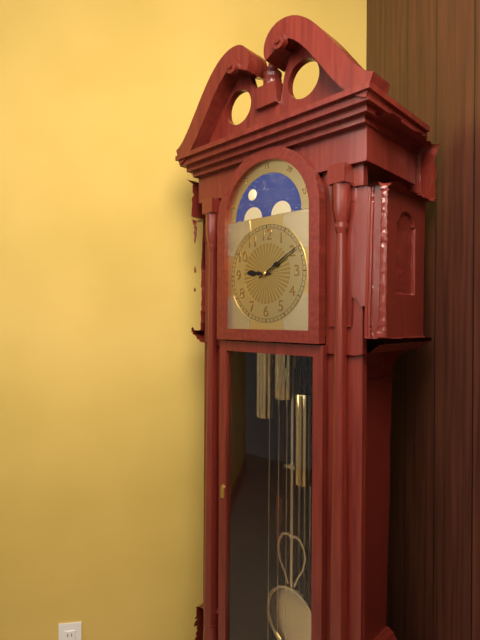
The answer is 9:10
